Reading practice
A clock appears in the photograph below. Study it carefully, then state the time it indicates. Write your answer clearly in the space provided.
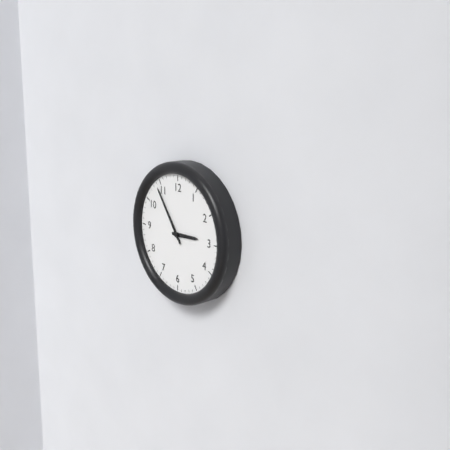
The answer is 2:54
